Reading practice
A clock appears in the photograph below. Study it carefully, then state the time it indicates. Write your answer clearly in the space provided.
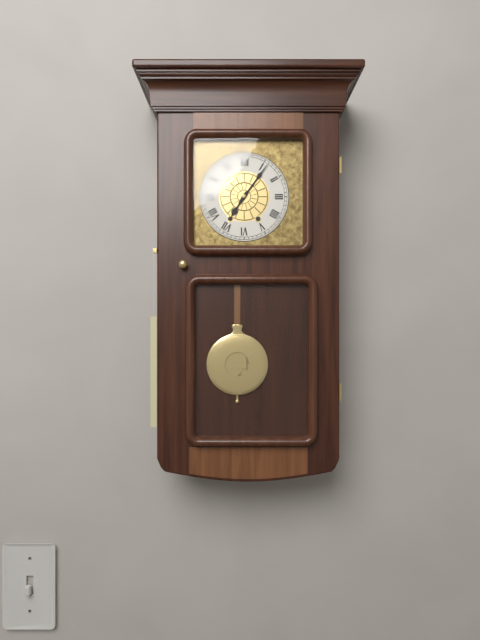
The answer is 7:06
